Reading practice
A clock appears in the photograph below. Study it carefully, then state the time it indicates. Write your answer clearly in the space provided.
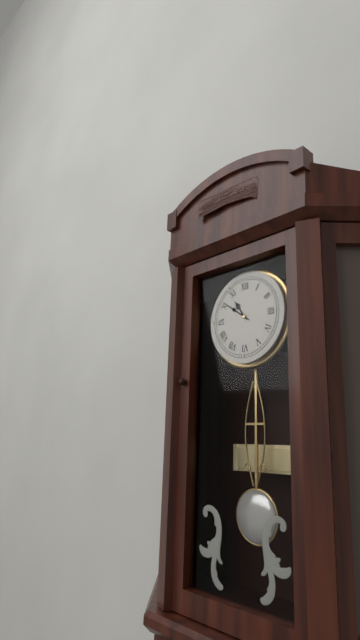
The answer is 10:51
